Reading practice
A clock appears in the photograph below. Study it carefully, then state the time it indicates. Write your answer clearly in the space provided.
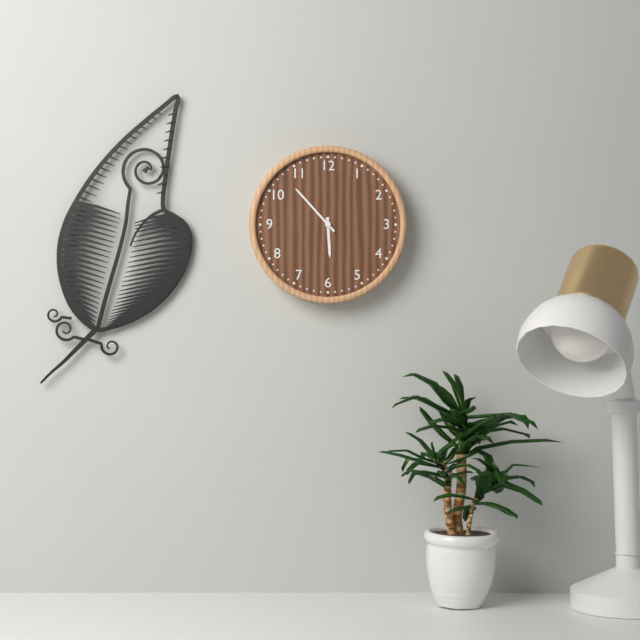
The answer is 5:53
